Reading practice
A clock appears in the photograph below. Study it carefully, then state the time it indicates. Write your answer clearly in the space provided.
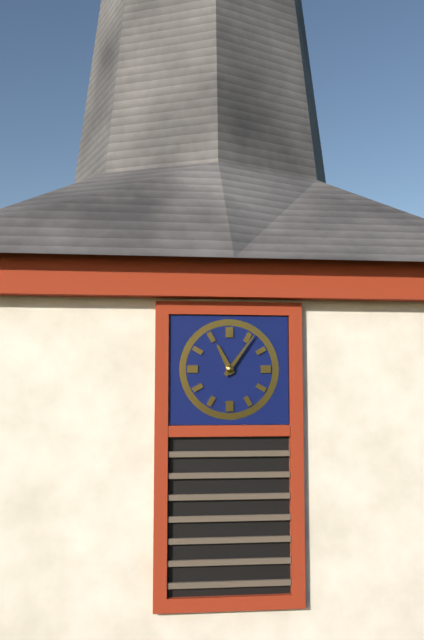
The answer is 11:06
